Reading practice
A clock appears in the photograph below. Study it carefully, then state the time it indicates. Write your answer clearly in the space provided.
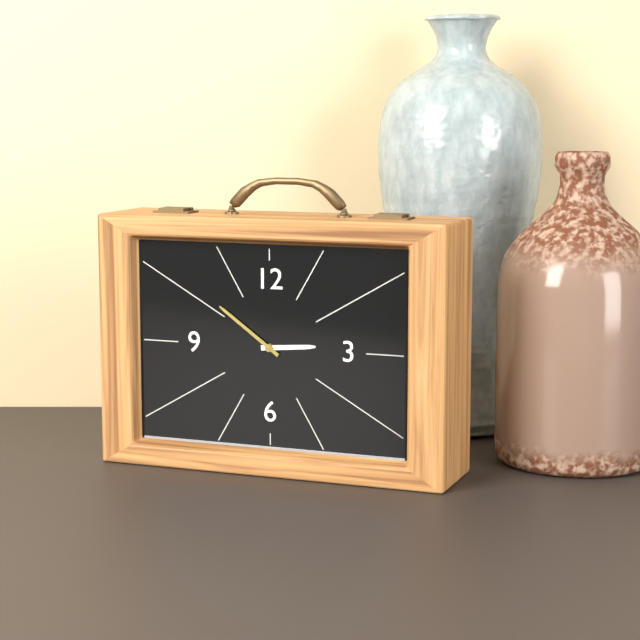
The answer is 2:51
